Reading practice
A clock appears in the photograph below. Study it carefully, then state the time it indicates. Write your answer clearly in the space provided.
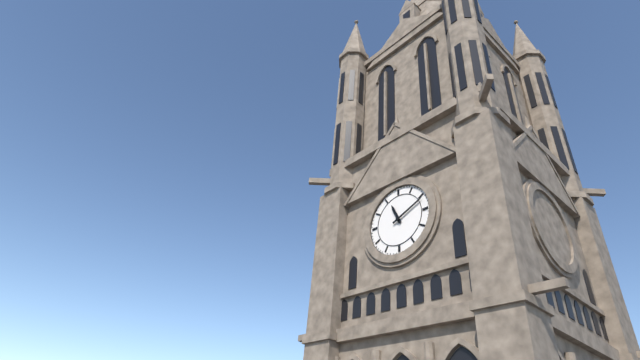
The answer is 11:11
